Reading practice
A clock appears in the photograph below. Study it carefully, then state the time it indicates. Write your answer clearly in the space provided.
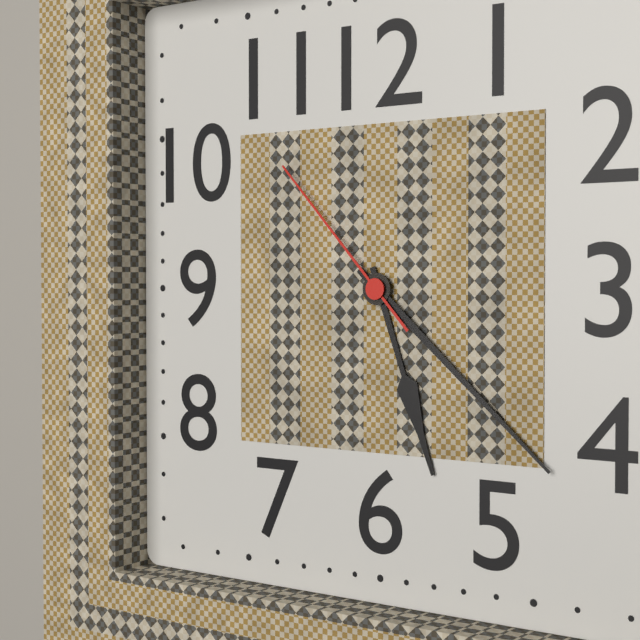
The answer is 5:22:53
